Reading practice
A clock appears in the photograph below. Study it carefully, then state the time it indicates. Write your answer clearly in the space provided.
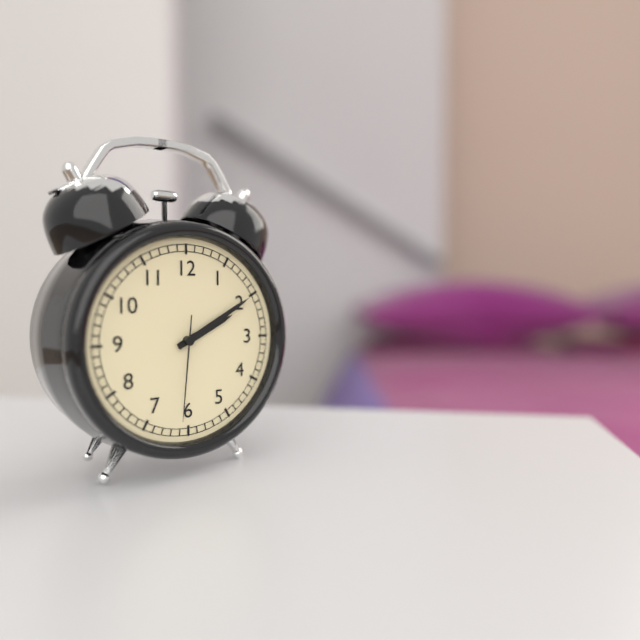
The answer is 2:10:31
